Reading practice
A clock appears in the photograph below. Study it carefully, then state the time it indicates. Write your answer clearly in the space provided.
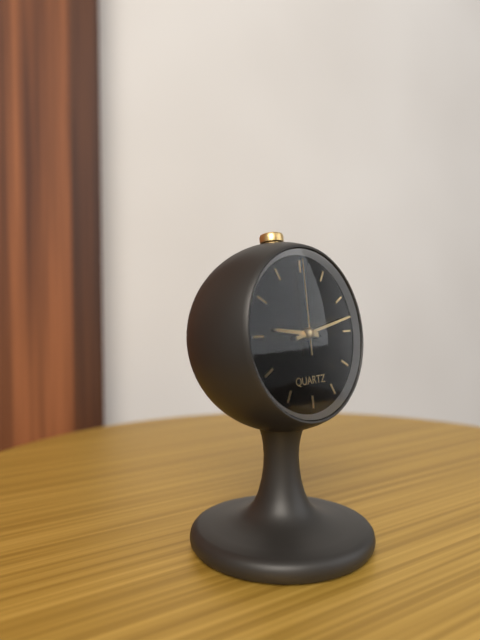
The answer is 9:13:00
